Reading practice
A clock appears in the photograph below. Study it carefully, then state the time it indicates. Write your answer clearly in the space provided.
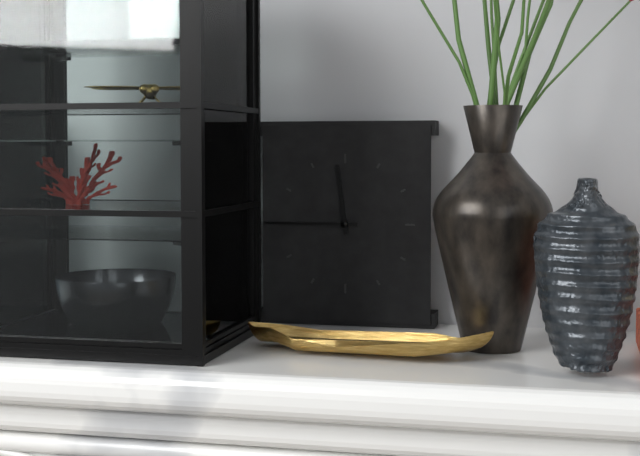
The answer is 11:45
